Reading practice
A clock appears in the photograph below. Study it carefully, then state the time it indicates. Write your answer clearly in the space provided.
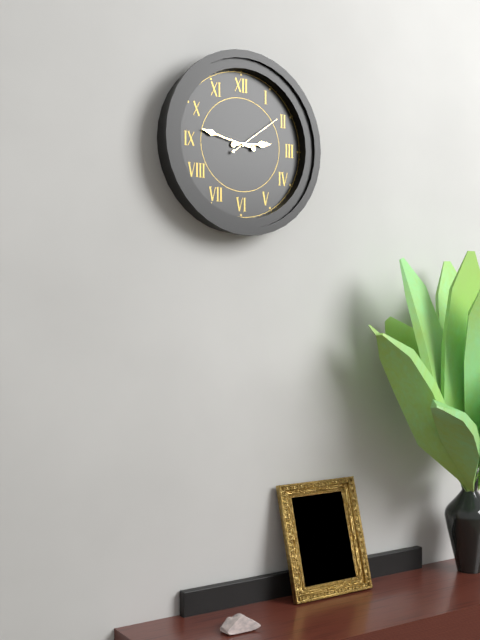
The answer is 2:47:09
